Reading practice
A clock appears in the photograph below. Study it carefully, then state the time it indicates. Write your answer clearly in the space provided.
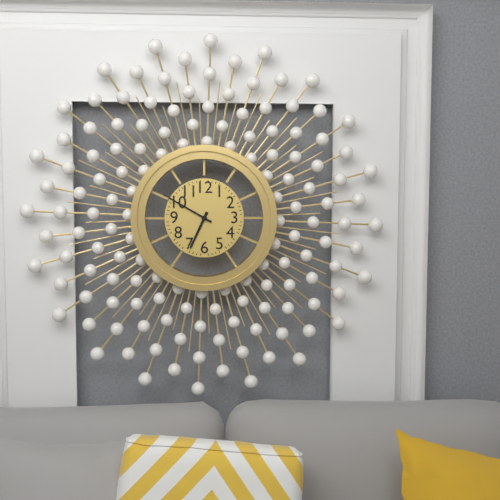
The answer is 6:50
